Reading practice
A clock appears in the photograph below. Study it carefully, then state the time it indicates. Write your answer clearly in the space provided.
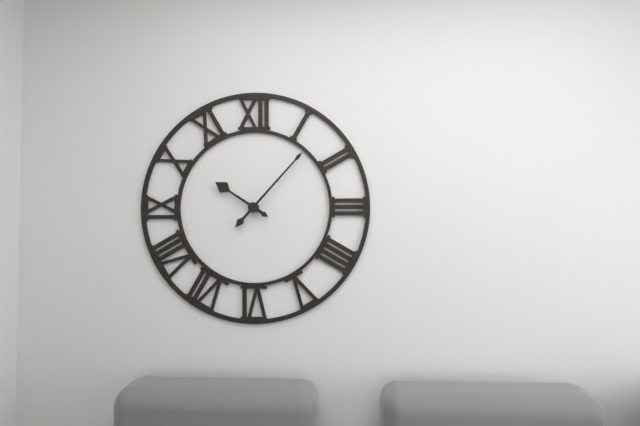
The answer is 10:07
